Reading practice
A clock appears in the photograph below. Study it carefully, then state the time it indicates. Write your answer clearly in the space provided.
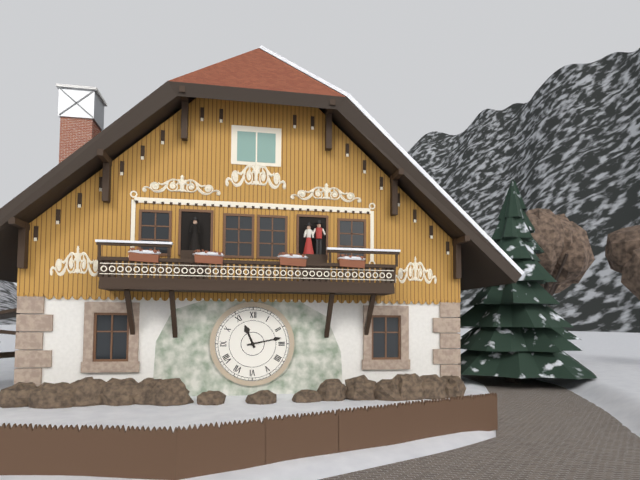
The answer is 11:13
